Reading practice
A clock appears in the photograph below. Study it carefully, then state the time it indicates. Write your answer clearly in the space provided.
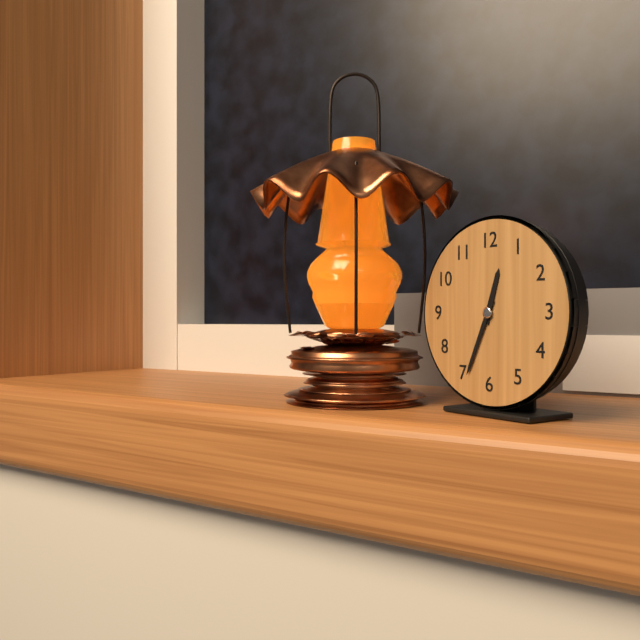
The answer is 12:34
